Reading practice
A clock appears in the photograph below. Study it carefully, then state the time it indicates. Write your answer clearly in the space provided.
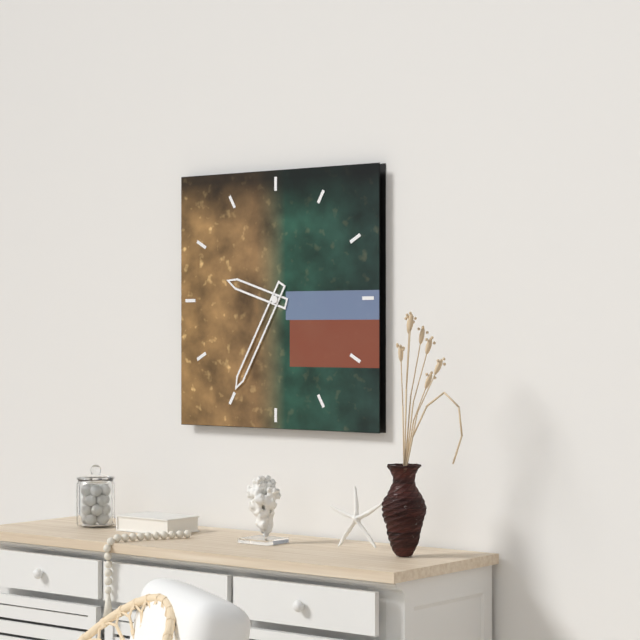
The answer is 9:35
